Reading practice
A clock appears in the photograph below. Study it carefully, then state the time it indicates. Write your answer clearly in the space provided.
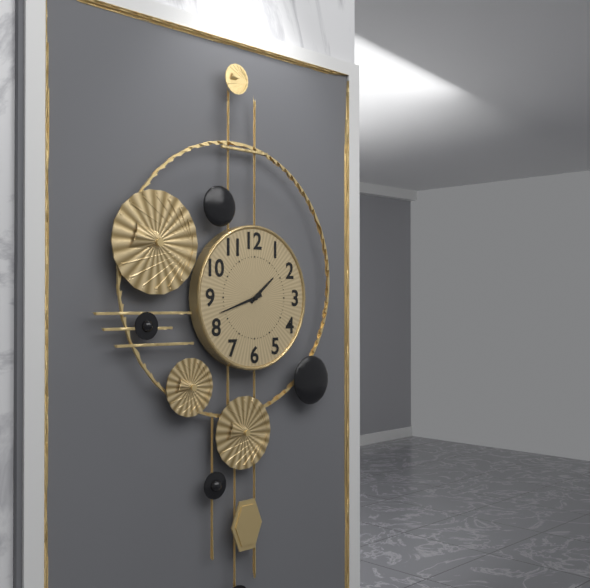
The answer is 1:42
